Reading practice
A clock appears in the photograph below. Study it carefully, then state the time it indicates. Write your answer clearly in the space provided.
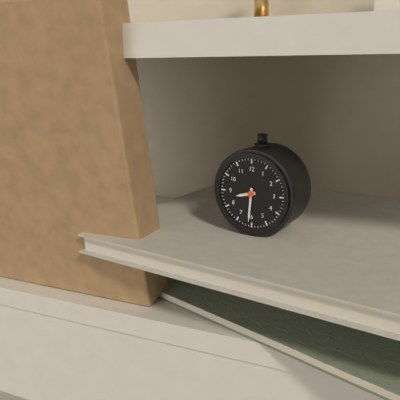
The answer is 8:31
